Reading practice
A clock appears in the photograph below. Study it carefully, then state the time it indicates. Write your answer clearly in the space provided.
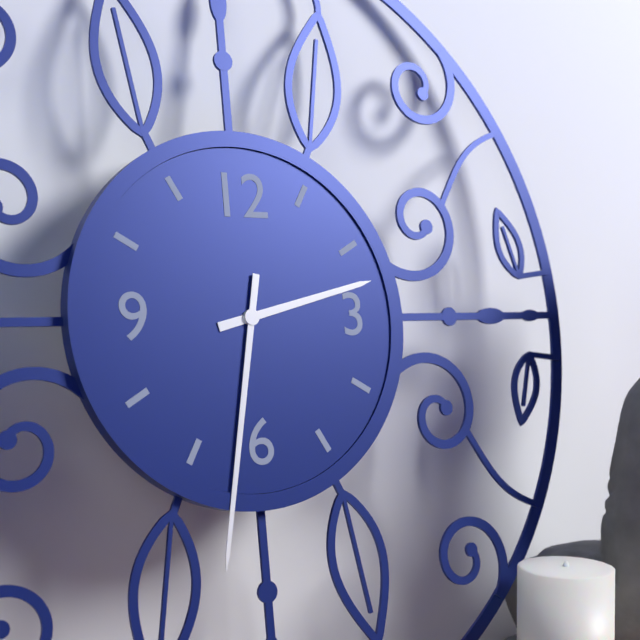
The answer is 2:32
